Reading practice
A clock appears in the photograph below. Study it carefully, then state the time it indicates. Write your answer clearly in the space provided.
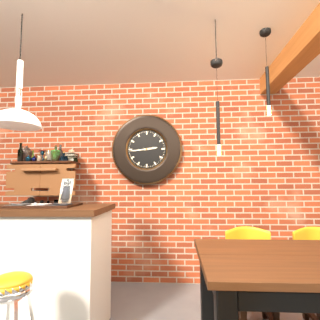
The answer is 2:44
